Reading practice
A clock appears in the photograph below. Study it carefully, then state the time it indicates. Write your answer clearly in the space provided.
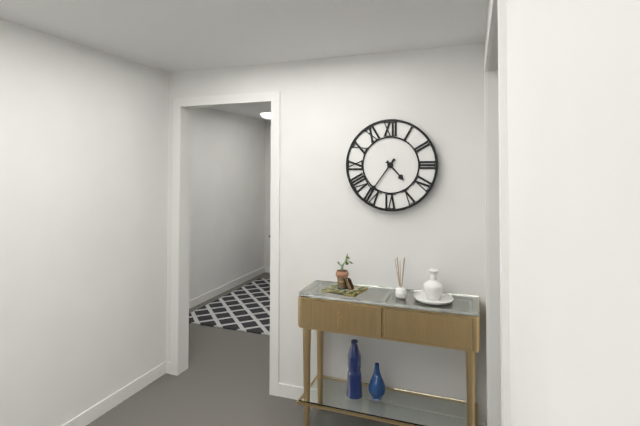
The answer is 4:36
